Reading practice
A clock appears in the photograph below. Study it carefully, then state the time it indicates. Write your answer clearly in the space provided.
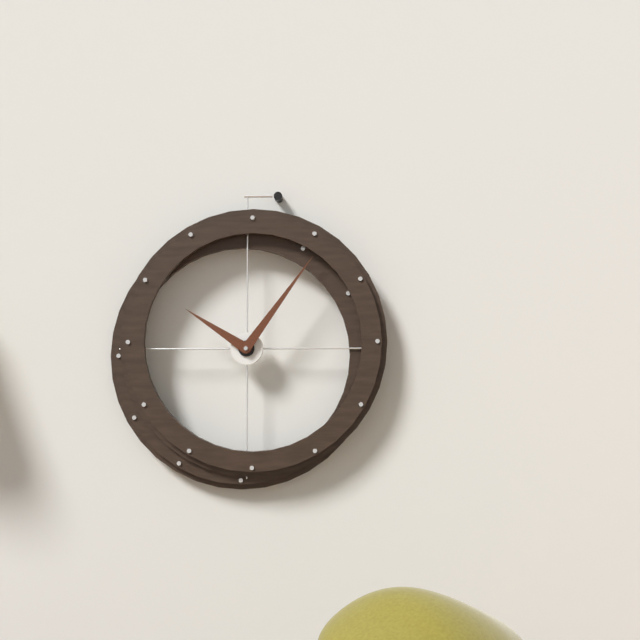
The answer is 10:06
